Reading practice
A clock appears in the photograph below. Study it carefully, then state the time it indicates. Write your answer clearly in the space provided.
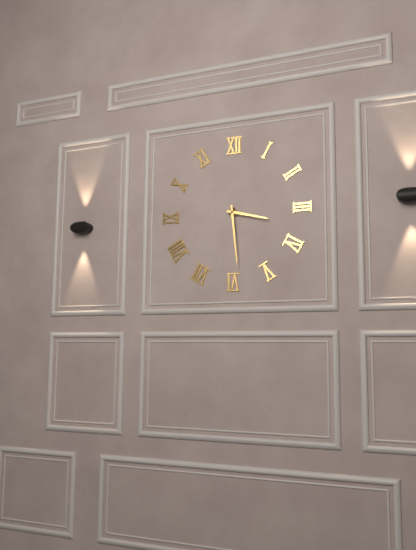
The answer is 3:29
